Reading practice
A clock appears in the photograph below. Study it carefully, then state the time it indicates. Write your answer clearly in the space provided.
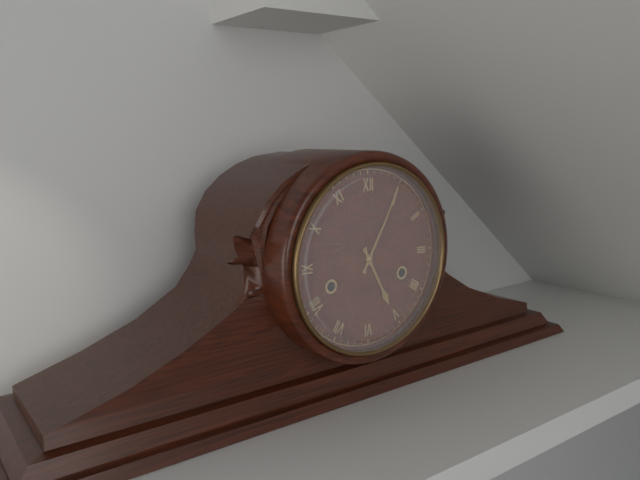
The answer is 5:05
